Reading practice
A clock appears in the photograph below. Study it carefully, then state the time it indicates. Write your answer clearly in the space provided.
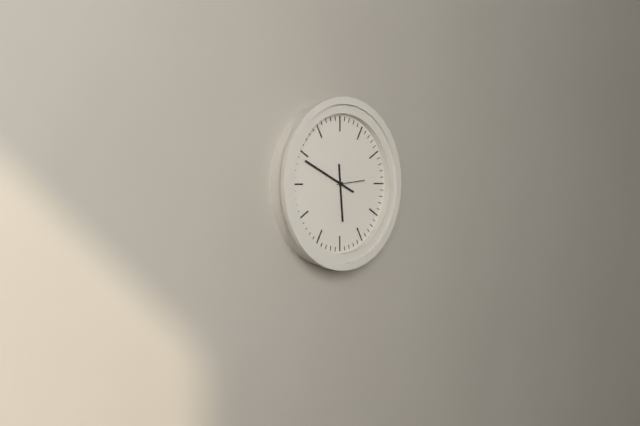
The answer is 5:49
